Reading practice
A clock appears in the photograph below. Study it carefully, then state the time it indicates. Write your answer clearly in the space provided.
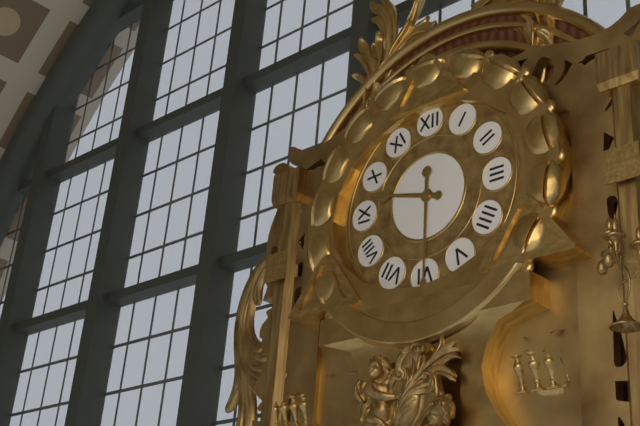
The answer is 9:30
